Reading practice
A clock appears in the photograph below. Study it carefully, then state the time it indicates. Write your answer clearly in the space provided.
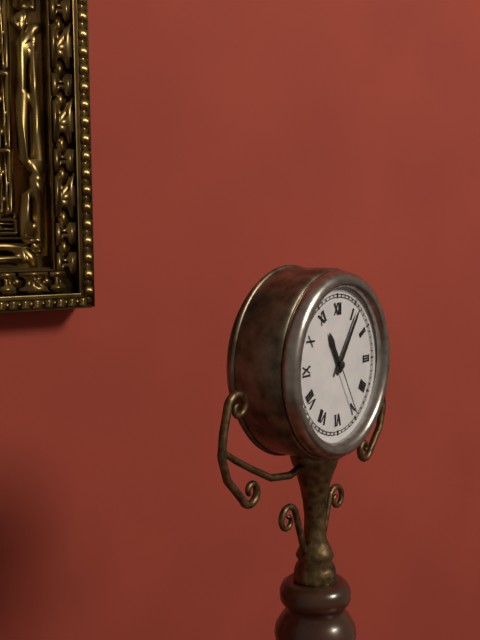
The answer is 11:06:25
